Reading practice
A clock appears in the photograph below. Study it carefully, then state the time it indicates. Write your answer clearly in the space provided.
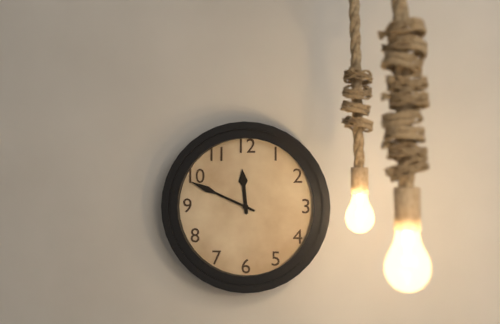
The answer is 11:49
